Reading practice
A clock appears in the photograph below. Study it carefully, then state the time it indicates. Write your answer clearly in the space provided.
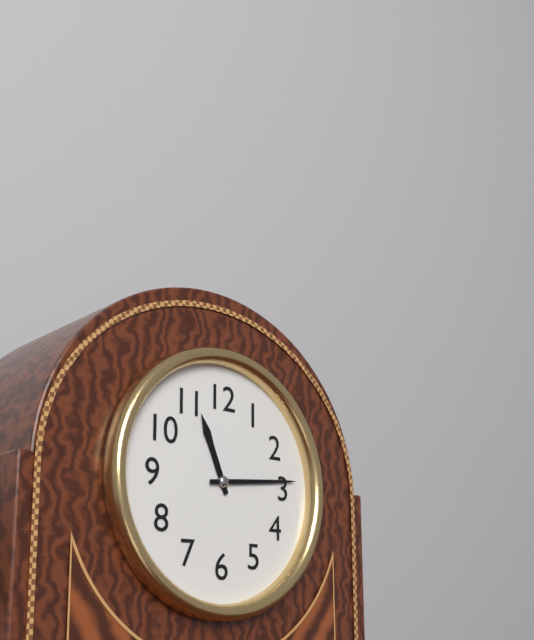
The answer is 11:14
